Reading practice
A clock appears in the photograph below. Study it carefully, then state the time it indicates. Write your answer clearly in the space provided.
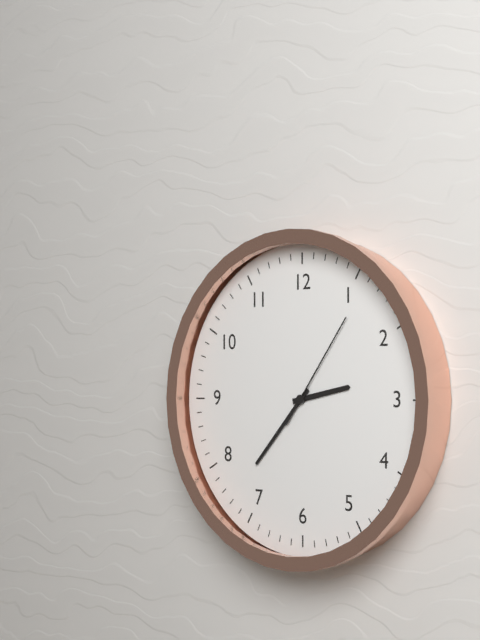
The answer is 2:37:06
